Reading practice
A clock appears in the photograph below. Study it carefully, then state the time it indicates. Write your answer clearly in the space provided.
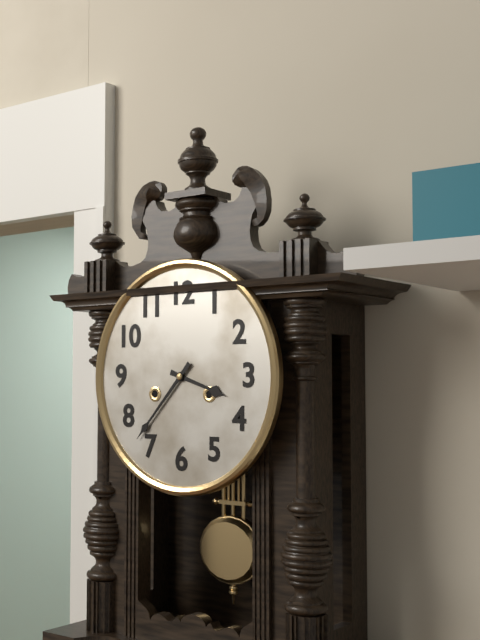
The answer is 3:37
